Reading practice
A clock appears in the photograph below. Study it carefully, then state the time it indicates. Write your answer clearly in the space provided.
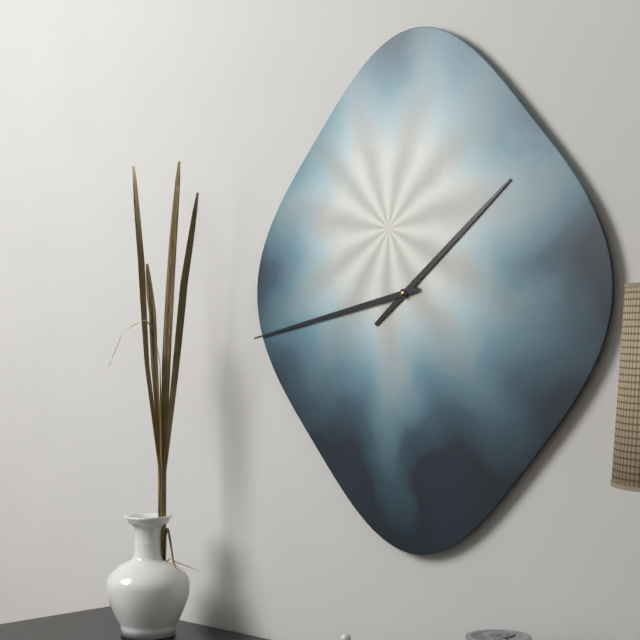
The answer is 1:43
